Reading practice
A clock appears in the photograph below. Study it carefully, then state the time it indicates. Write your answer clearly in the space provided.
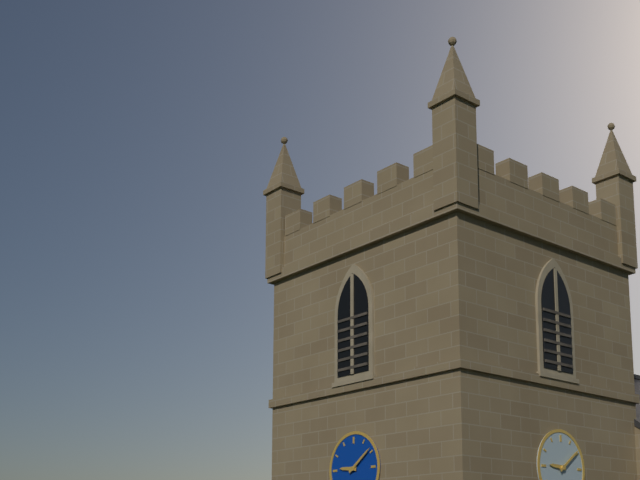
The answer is 9:09
